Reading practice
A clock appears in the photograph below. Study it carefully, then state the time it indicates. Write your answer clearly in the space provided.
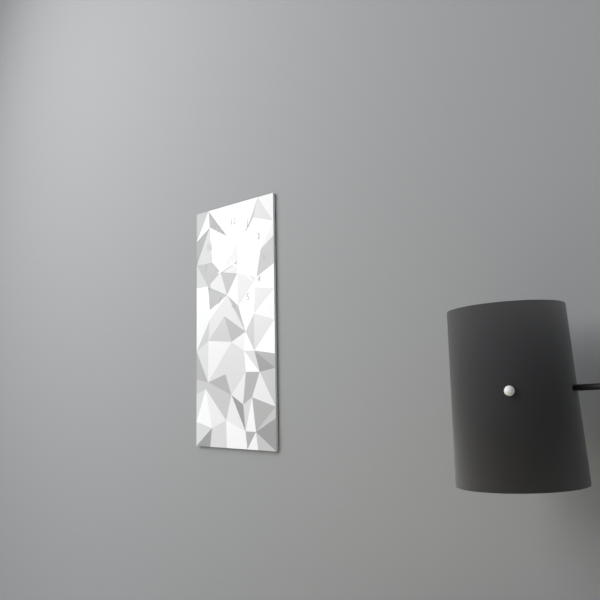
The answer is 8:21
